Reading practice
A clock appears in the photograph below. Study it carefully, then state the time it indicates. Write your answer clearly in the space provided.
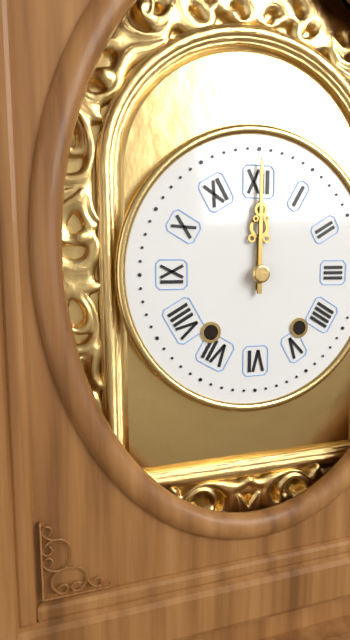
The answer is 12:00
